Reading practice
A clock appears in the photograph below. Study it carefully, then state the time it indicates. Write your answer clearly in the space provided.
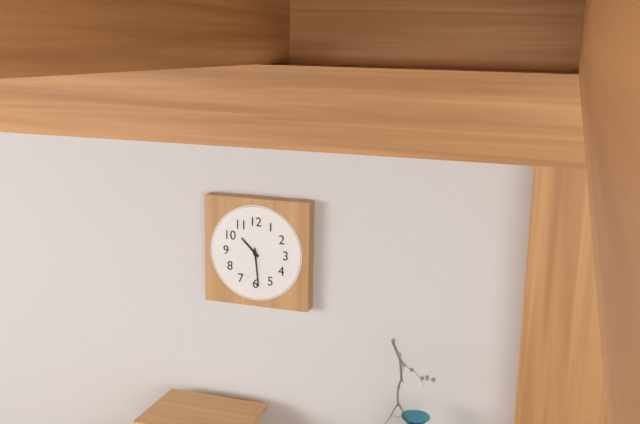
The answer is 10:29
